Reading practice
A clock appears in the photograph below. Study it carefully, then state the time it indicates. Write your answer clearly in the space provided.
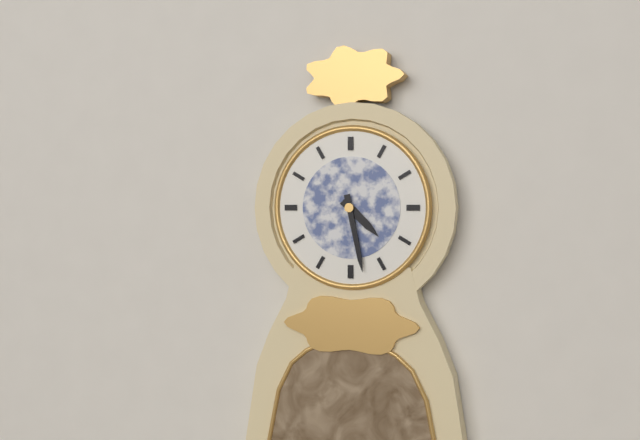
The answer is 4:28
